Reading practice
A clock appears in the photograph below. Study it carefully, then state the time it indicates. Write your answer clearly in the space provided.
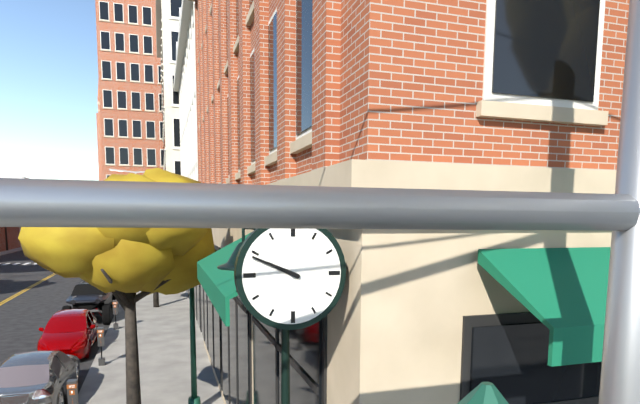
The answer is 9:49
